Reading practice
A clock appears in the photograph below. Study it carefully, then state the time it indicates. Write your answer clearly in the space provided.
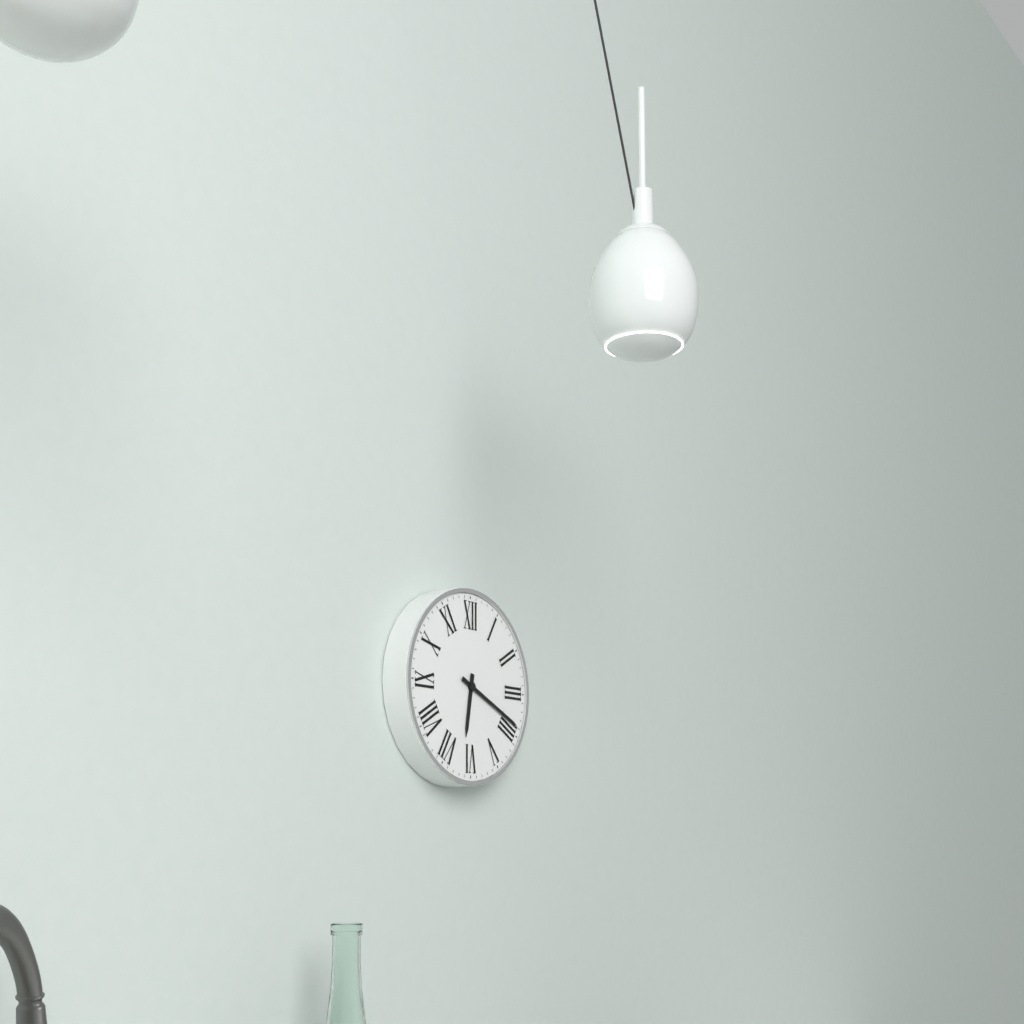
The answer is 6:19
